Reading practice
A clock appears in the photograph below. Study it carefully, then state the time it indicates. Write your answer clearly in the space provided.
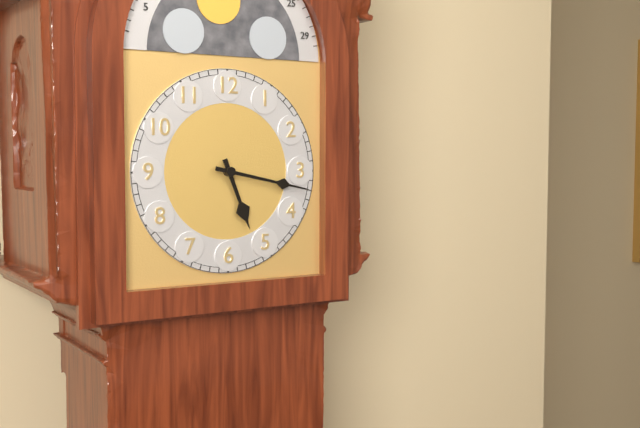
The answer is 5:17
